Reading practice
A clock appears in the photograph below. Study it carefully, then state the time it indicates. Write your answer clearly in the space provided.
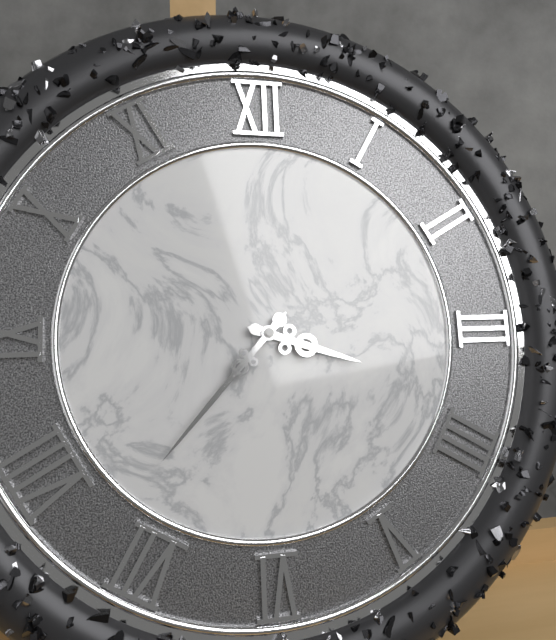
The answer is 3:37
